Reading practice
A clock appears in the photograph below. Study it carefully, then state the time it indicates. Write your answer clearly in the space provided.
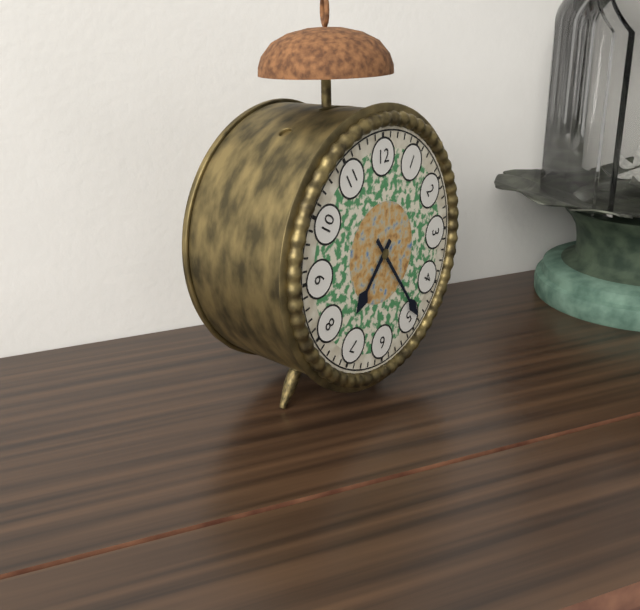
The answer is 7:24
